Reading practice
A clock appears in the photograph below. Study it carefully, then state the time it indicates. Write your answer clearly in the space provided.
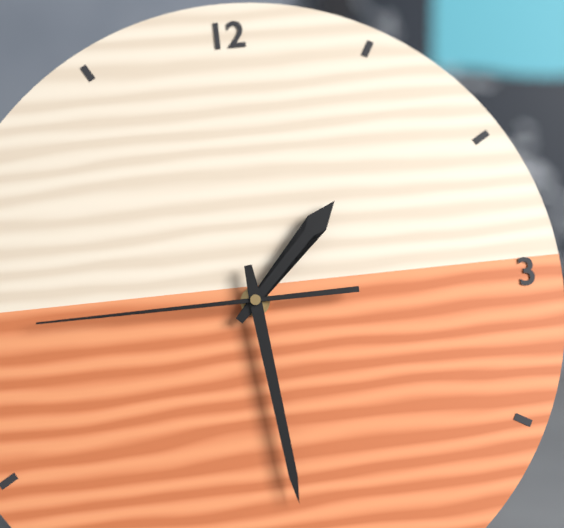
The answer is 1:29:45
